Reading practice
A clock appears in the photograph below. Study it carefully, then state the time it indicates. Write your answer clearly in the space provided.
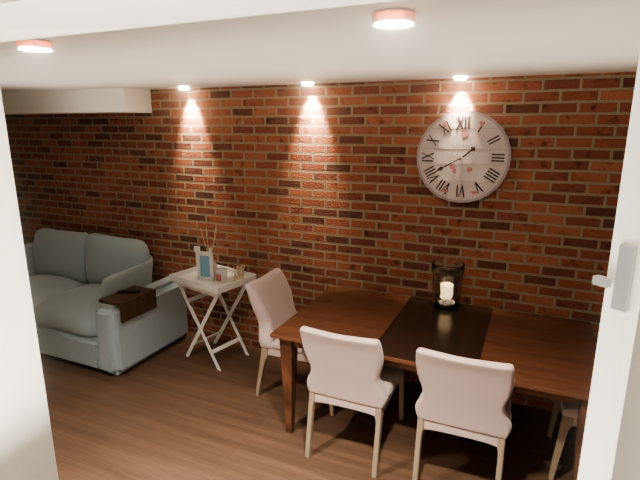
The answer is 1:40
